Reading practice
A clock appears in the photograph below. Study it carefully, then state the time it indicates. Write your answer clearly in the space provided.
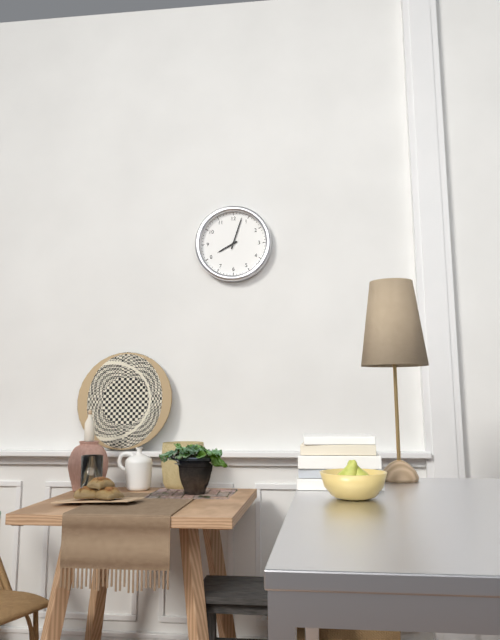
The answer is 8:03
